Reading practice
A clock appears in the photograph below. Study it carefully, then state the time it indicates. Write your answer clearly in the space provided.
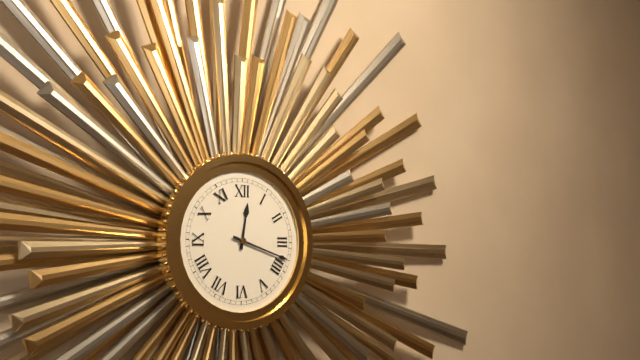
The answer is 12:18
